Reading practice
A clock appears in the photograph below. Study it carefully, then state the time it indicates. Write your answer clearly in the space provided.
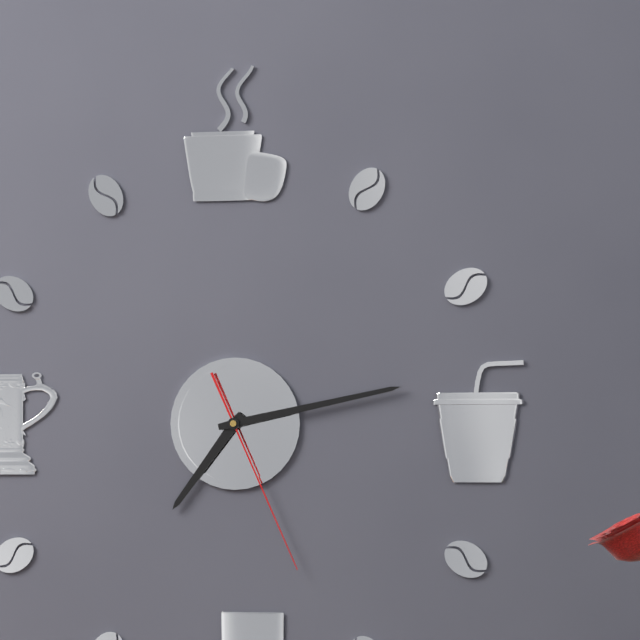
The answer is 7:13:26
